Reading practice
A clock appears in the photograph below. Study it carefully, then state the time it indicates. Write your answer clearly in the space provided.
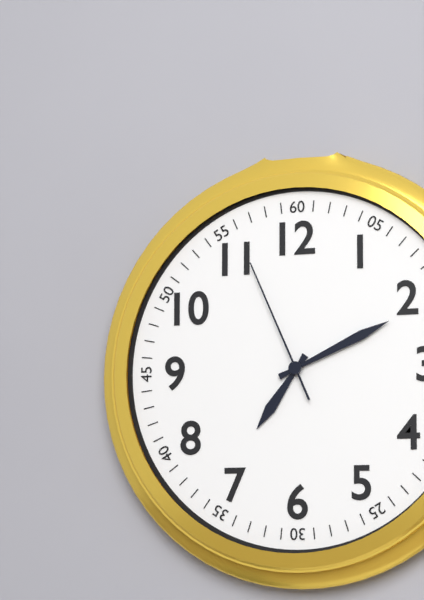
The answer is 7:11:56
